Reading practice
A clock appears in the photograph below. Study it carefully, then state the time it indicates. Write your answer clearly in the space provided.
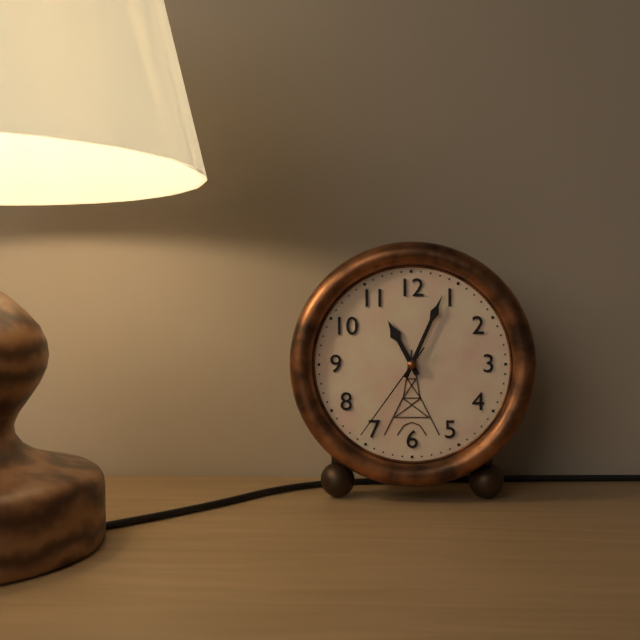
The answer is 11:04:36
